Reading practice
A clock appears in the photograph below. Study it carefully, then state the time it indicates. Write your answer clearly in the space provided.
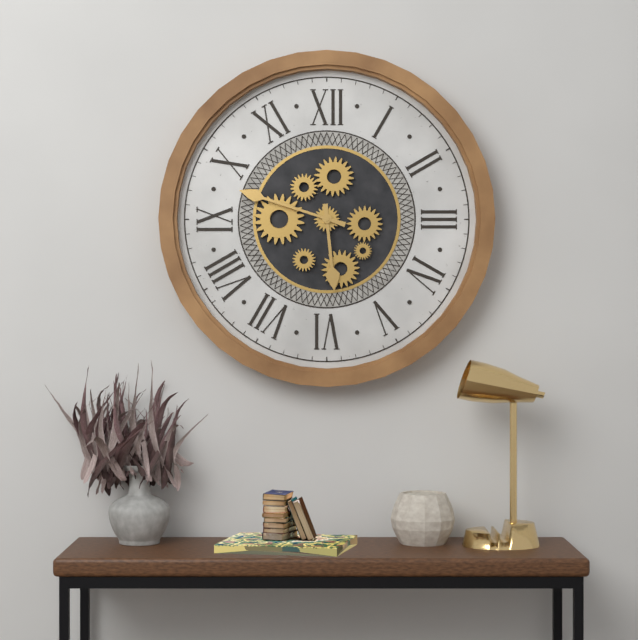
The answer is 5:48
